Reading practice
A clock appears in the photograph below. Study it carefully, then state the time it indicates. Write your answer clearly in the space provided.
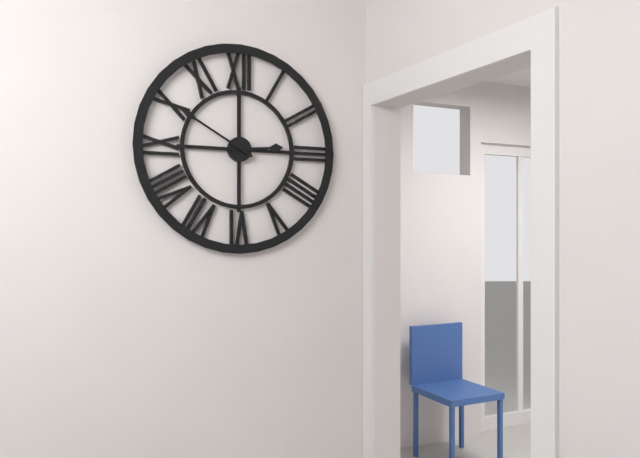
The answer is 2:50
